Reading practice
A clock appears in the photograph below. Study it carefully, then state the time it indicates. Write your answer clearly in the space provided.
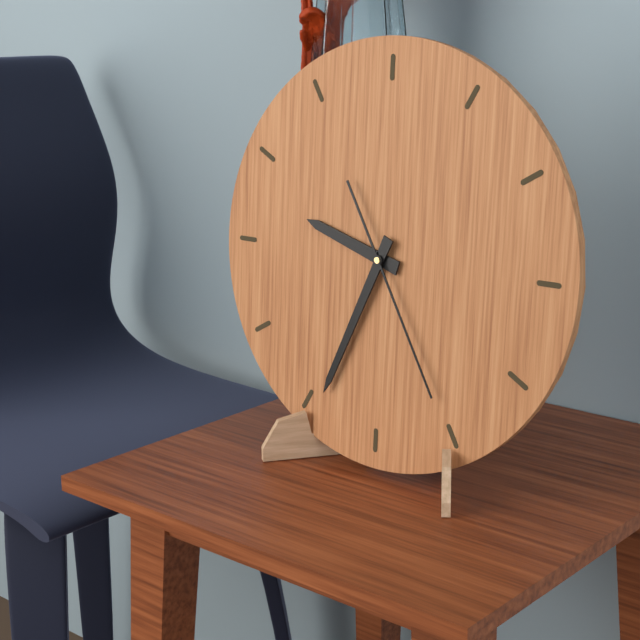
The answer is 9:34:25
